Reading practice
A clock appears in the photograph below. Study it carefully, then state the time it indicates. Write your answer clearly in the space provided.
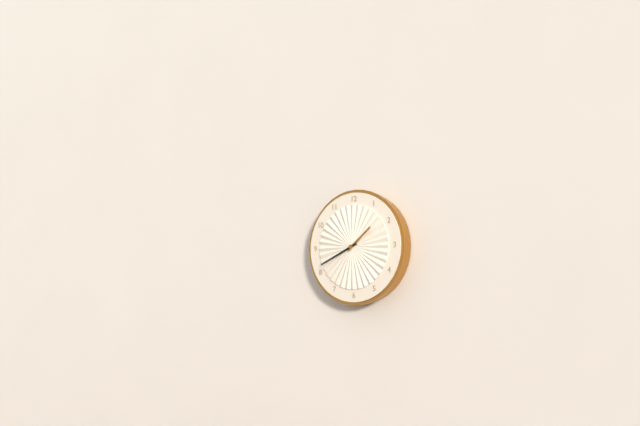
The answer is 1:41
